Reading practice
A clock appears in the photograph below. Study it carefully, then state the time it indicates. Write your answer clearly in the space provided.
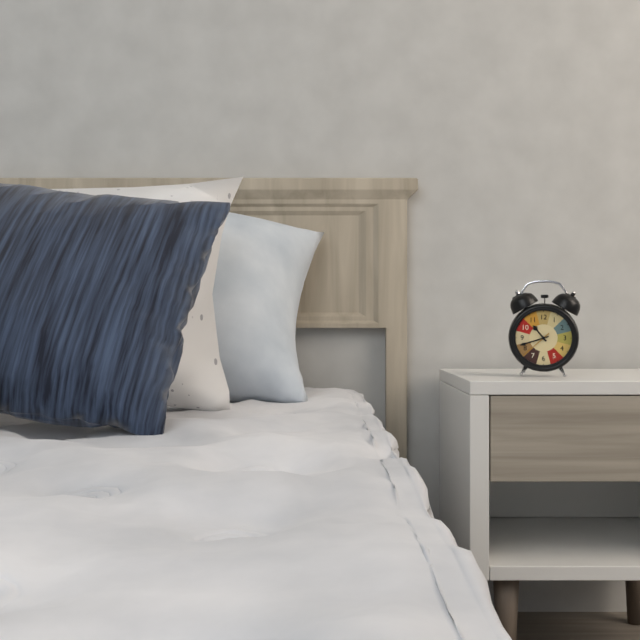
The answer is 10:42
